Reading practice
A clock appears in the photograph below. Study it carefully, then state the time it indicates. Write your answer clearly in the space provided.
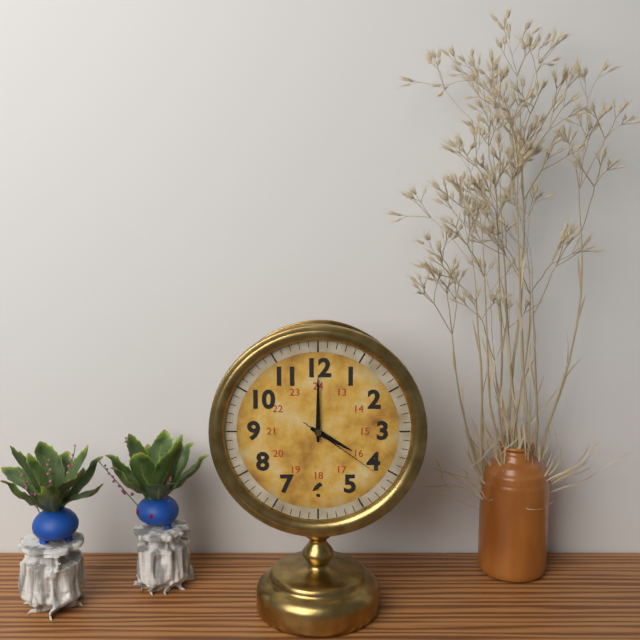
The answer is 4:00:21
